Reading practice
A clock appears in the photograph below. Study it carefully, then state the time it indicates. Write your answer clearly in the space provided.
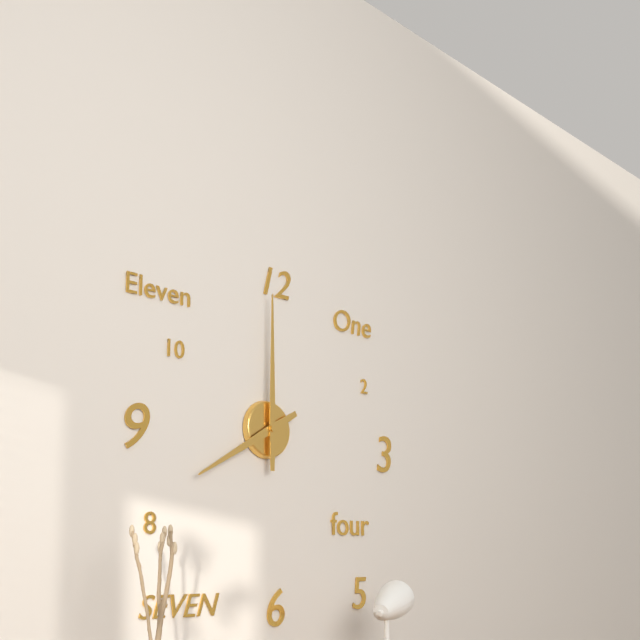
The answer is 8:00
